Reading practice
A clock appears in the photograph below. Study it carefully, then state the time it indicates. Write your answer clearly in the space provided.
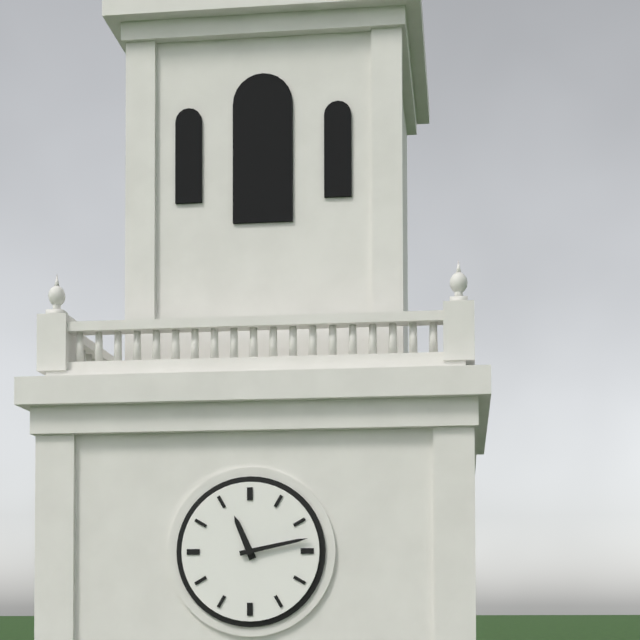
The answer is 11:13
